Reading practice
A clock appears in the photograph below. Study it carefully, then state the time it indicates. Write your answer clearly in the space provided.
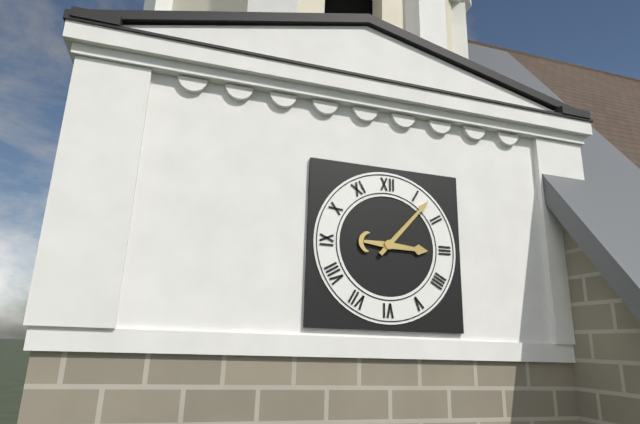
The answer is 3:07
